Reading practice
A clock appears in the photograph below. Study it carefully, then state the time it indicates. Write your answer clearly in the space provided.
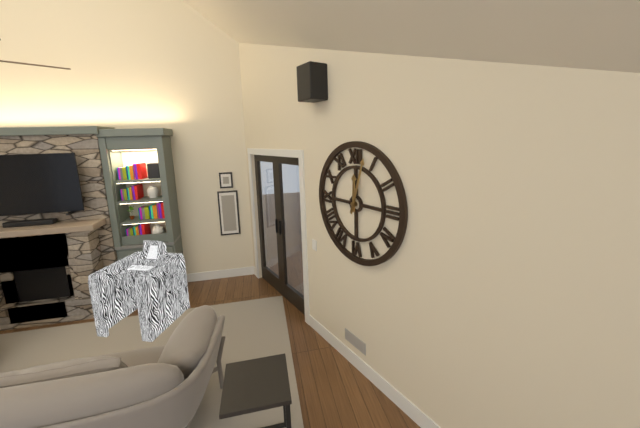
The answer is 12:03
